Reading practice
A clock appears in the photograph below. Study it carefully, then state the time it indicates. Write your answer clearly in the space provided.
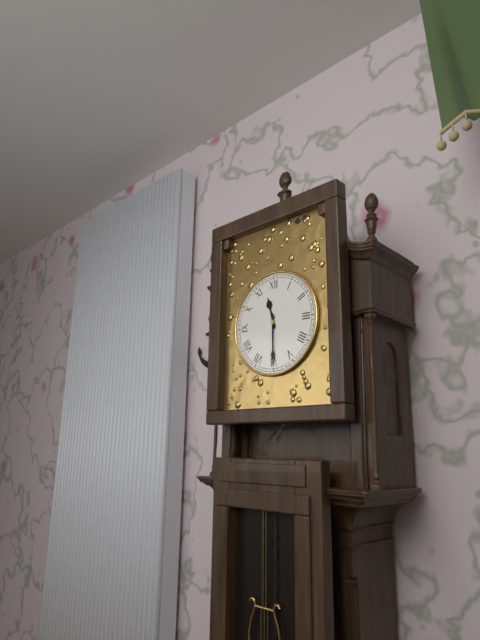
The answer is 11:30
